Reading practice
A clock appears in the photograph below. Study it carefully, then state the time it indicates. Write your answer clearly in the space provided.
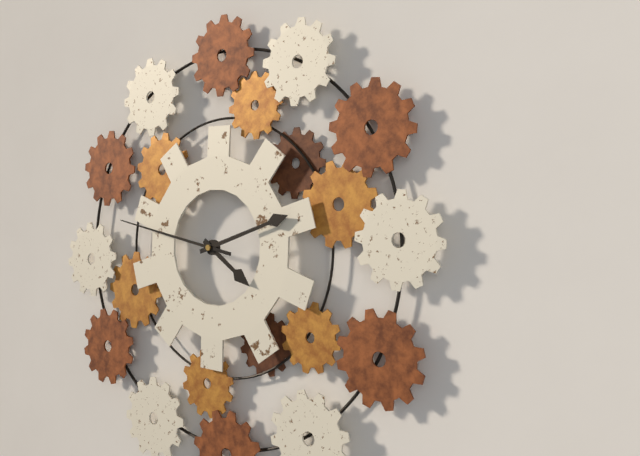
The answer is 4:12:47
